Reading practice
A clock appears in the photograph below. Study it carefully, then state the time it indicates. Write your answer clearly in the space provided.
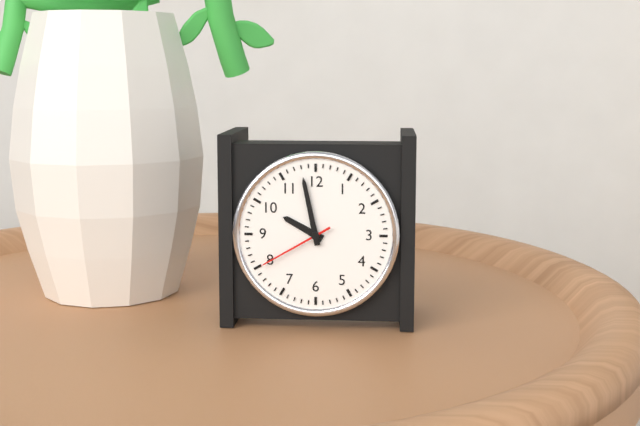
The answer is 9:58:40
